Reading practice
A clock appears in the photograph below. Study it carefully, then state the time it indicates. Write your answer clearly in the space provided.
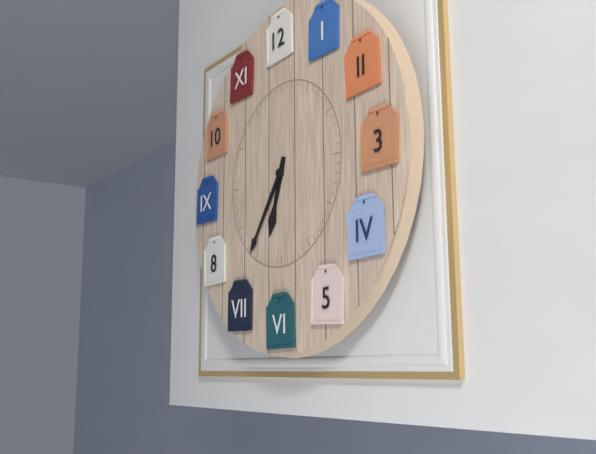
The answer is 6:36
